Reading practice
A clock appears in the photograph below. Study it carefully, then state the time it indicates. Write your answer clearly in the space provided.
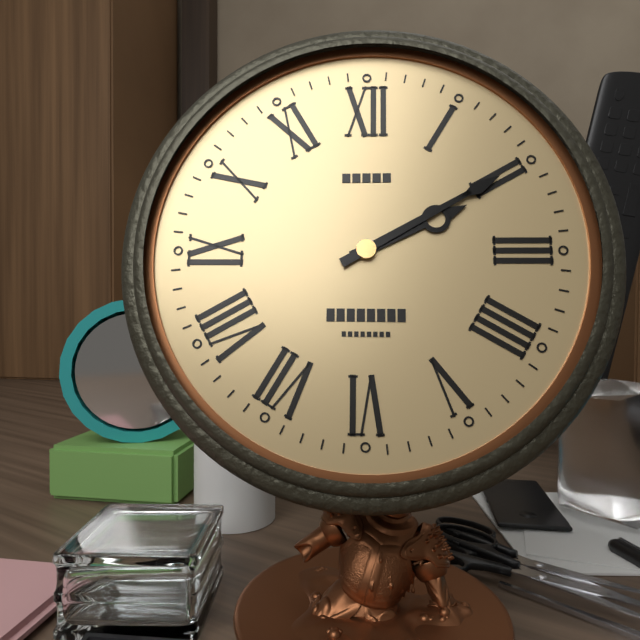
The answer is 2:10
